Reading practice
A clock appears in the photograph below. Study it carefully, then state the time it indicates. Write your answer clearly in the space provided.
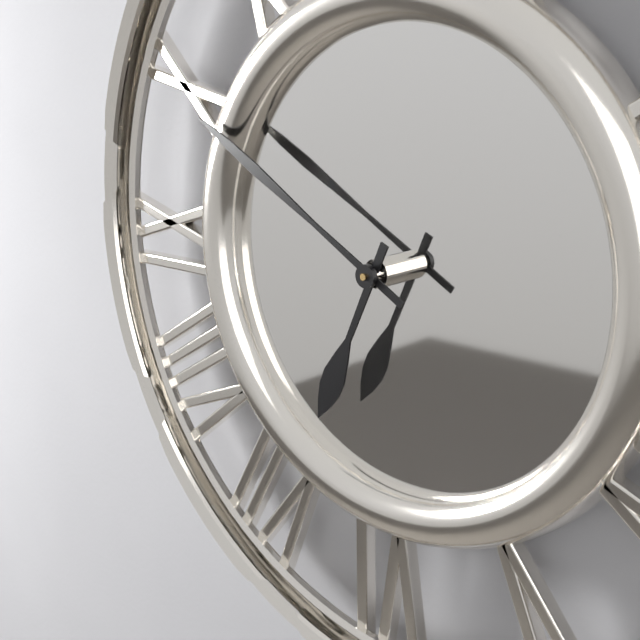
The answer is 6:50
